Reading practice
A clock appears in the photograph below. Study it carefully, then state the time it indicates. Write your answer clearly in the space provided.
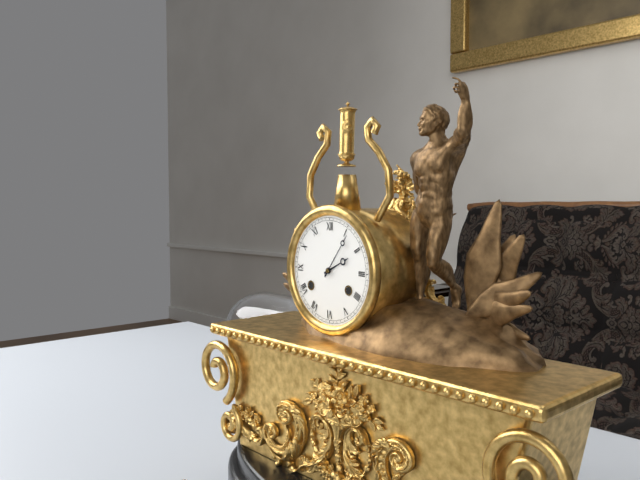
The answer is 2:06
